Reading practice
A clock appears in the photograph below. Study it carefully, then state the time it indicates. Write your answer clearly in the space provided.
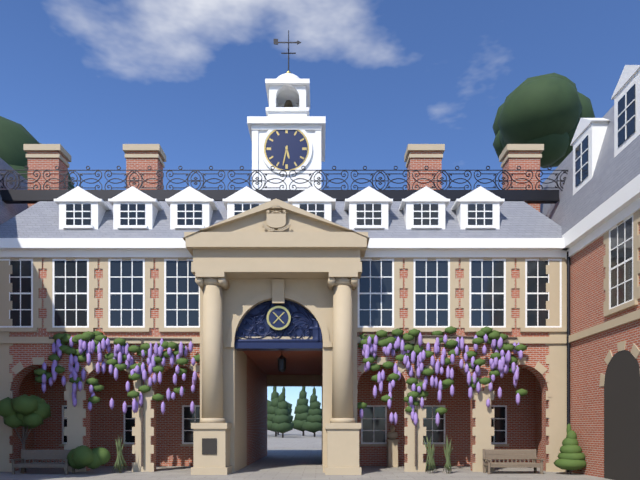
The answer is 5:32
